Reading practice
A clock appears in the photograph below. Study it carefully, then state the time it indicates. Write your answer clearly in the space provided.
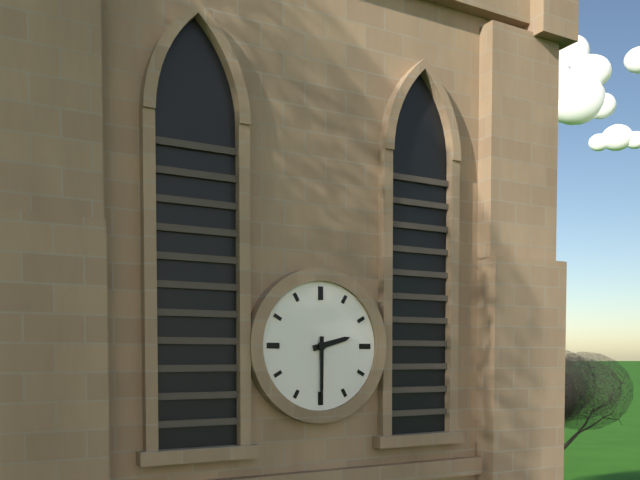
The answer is 2:30
